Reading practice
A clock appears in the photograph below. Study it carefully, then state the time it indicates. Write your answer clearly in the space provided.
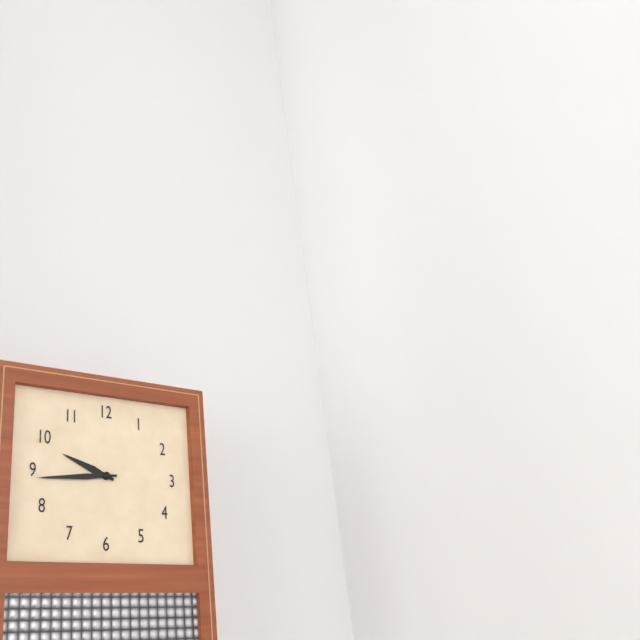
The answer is 9:44
